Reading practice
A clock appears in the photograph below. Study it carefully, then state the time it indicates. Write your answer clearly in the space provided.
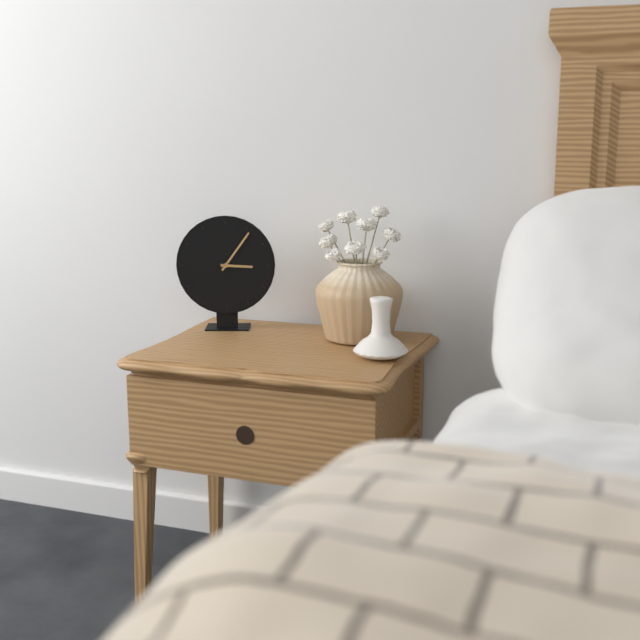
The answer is 3:06
